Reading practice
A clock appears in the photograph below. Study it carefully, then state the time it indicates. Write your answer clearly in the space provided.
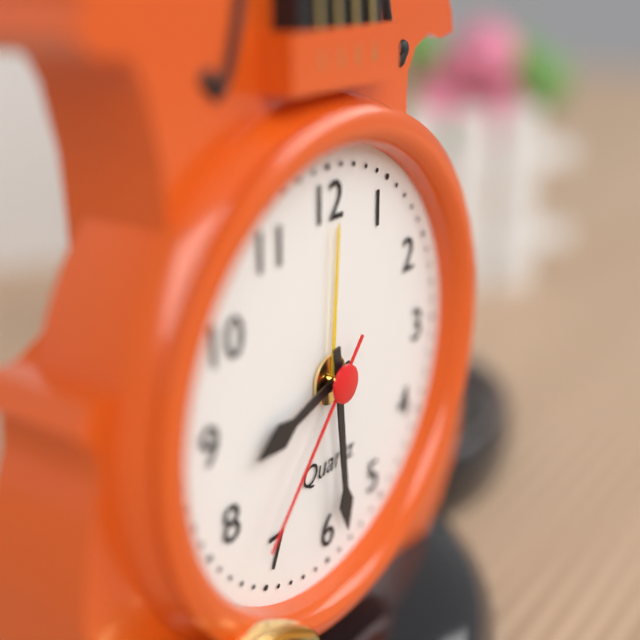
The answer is 8:29:37
